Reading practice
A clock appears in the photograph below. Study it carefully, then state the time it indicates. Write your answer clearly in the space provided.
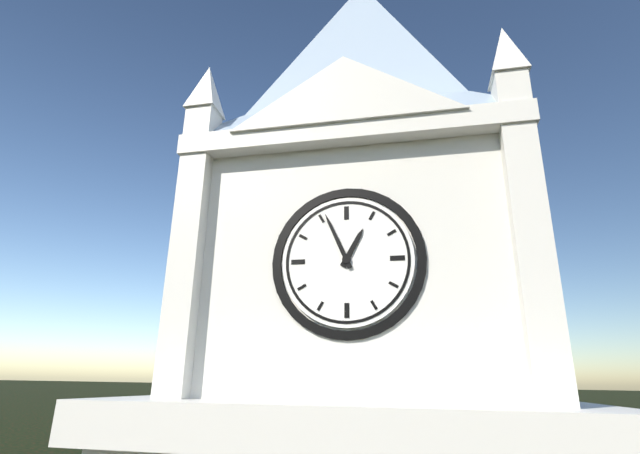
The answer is 12:56
